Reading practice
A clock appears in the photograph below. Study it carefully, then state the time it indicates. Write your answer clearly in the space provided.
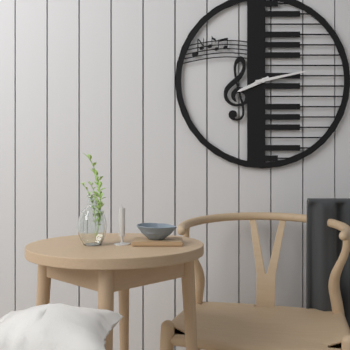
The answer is 8:13
